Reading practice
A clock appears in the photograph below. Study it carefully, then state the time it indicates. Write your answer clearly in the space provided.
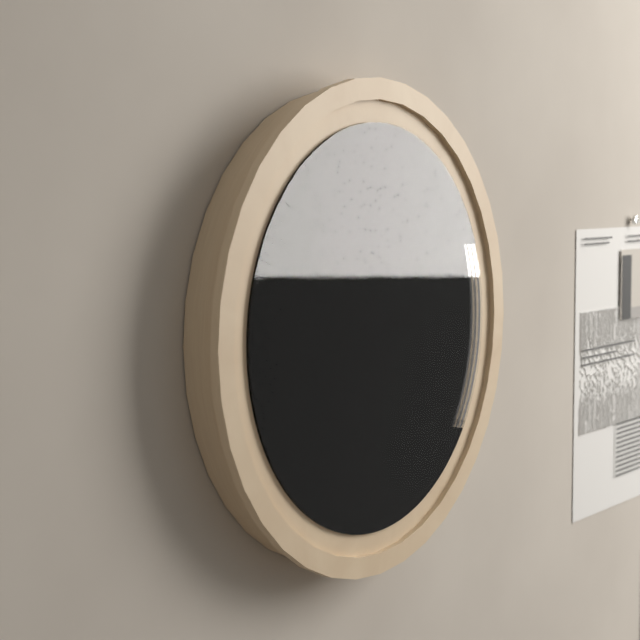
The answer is 1:29
